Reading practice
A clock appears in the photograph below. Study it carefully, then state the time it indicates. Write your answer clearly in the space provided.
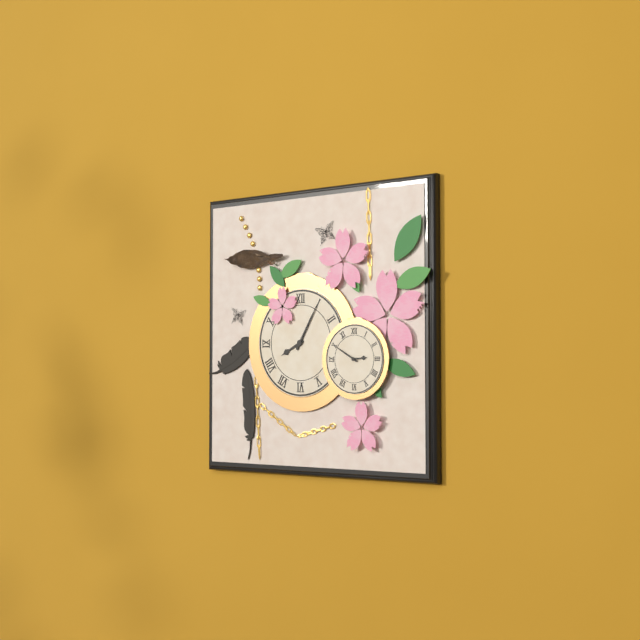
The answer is 8:05
